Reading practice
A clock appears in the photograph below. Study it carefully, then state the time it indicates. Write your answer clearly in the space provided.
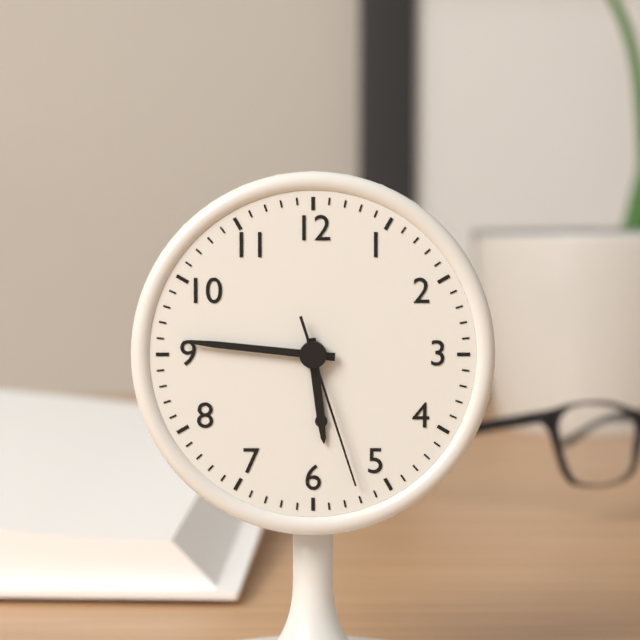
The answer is 5:46:27
